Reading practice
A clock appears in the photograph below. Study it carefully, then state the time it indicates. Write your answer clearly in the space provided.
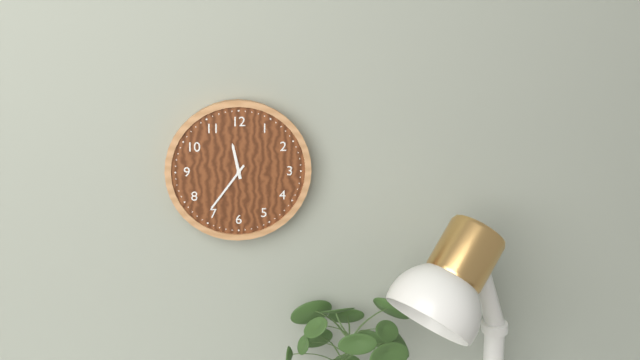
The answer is 11:36
